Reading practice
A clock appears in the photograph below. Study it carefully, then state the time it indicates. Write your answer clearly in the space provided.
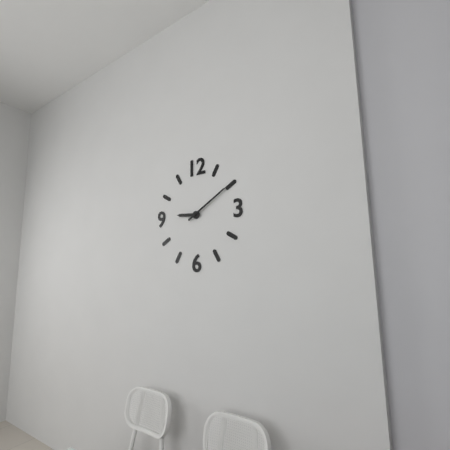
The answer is 9:10
